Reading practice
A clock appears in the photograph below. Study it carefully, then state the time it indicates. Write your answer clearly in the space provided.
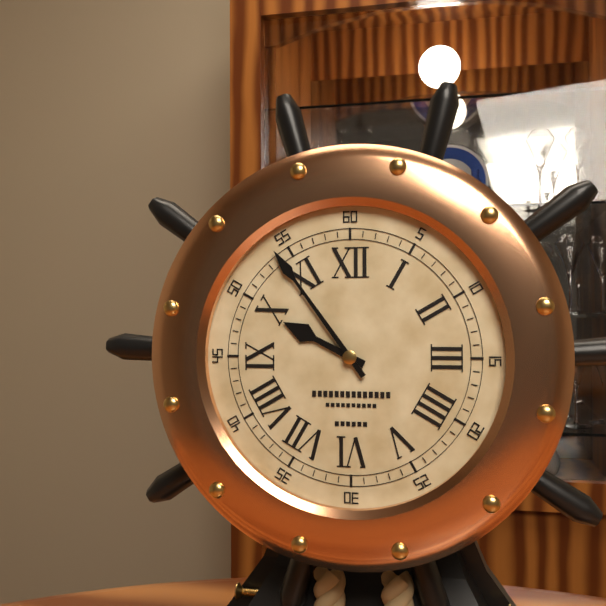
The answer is 9:54
